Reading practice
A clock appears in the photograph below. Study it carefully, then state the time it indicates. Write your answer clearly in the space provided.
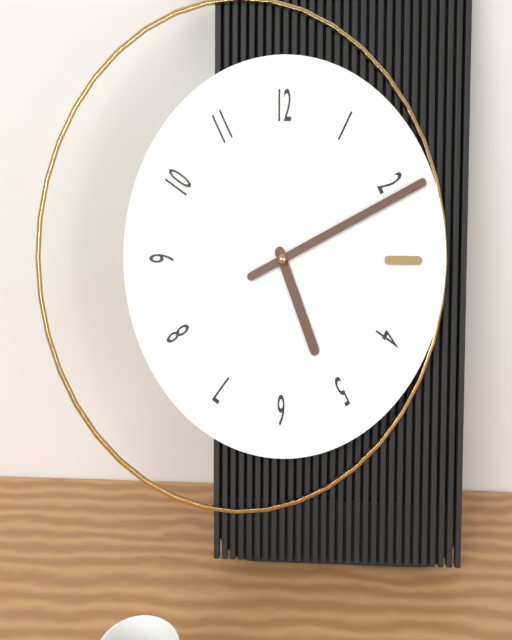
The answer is 5:11
